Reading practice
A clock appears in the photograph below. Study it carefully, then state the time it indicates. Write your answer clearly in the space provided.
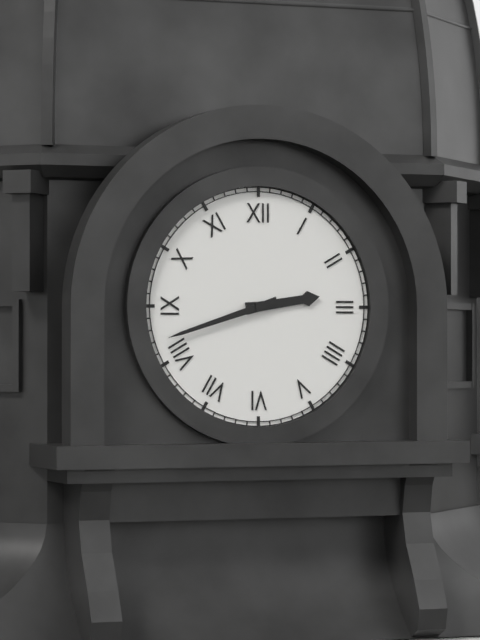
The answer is 2:42
